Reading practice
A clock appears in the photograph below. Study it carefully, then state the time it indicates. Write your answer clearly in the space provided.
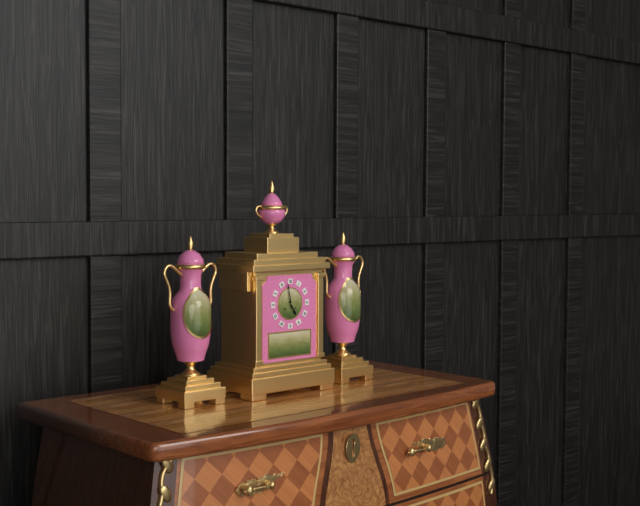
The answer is 4:58
